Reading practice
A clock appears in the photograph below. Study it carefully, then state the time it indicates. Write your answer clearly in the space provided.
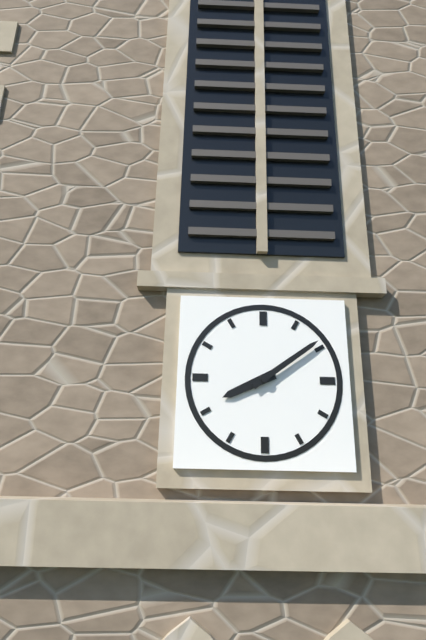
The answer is 8:09
